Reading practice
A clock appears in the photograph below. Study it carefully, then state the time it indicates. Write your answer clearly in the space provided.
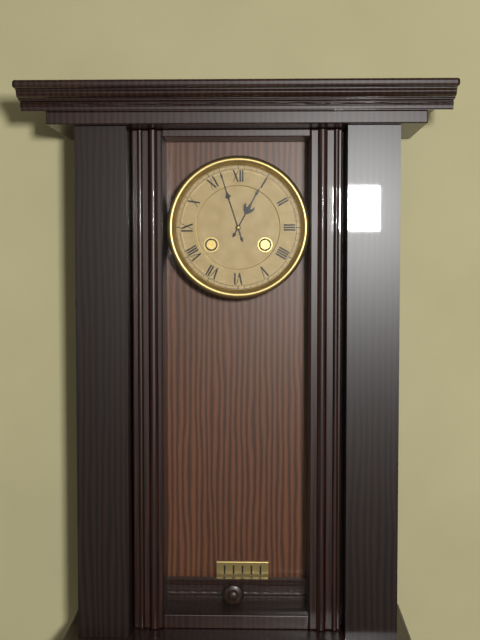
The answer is 12:57
